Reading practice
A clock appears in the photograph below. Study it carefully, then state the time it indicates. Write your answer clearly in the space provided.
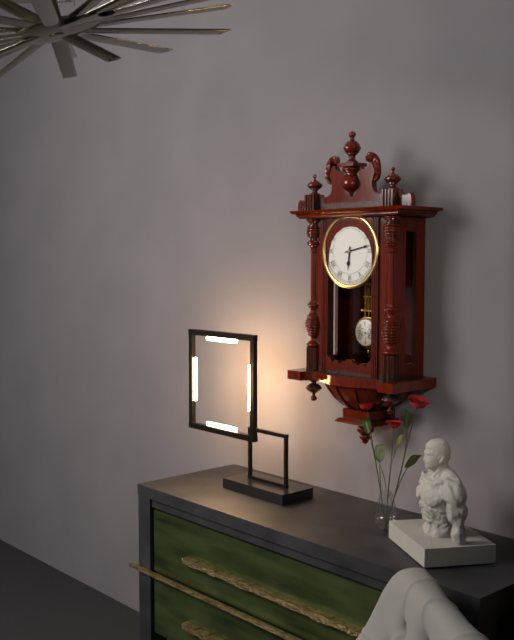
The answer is 6:13
